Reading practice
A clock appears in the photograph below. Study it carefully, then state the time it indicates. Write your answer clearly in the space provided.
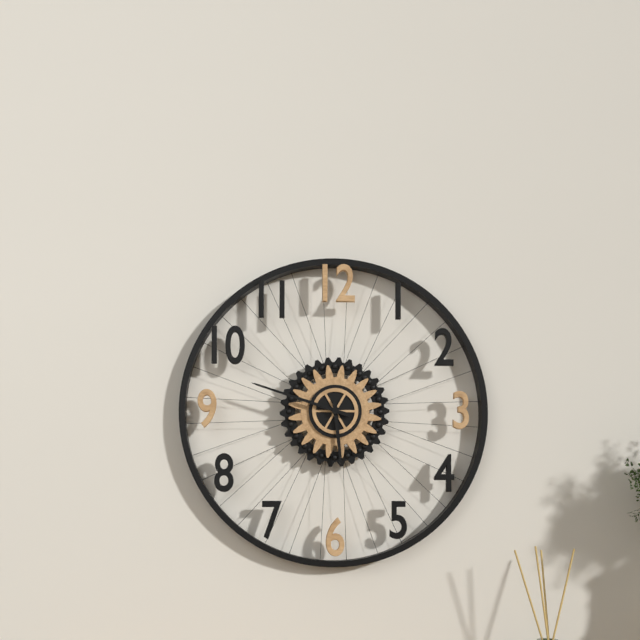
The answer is 5:48
